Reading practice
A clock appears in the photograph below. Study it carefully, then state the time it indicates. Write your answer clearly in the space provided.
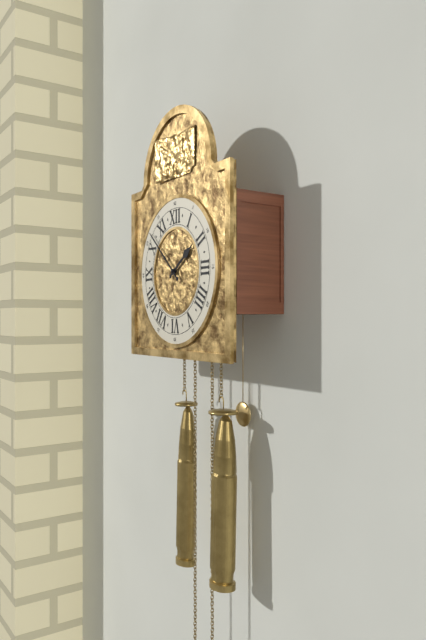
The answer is 1:52
